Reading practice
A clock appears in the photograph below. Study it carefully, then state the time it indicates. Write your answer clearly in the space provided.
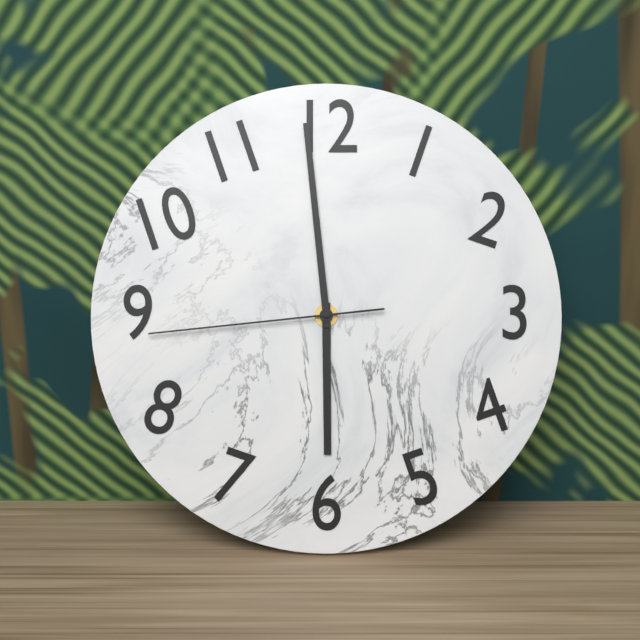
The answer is 5:59:44
